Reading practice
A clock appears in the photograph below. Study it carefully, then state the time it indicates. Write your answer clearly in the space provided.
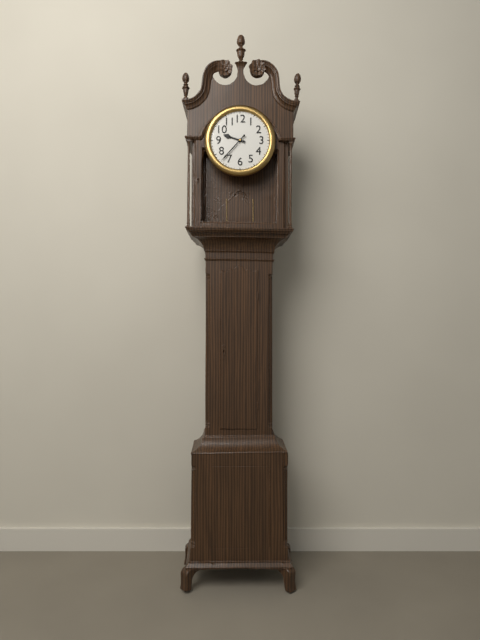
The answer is 9:37
